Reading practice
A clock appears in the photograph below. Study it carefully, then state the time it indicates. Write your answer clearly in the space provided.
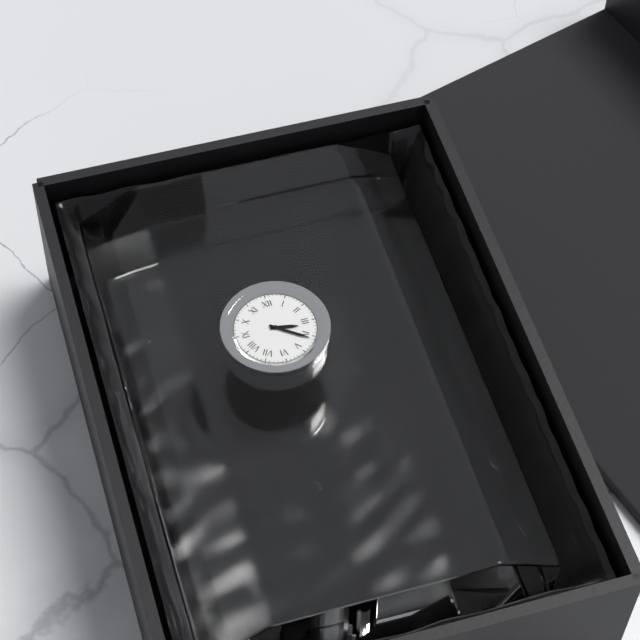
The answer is 3:21
